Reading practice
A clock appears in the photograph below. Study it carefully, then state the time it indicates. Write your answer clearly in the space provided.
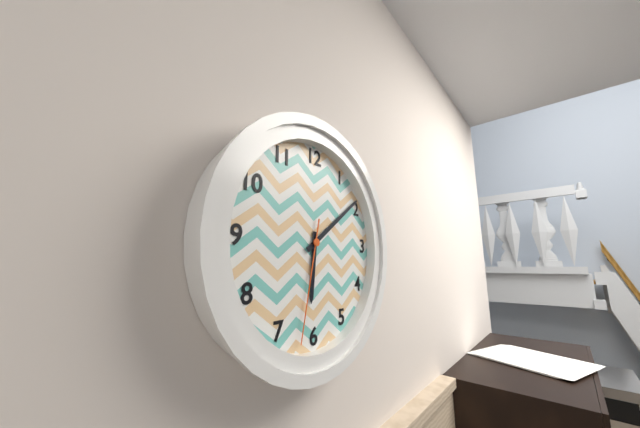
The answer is 6:09:32
